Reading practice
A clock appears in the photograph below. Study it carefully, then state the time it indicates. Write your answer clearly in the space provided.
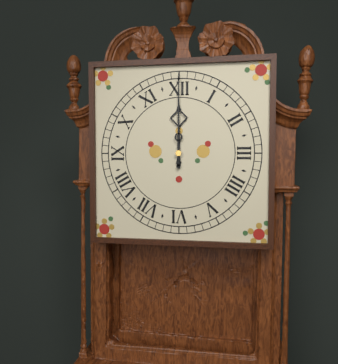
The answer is 12:00
